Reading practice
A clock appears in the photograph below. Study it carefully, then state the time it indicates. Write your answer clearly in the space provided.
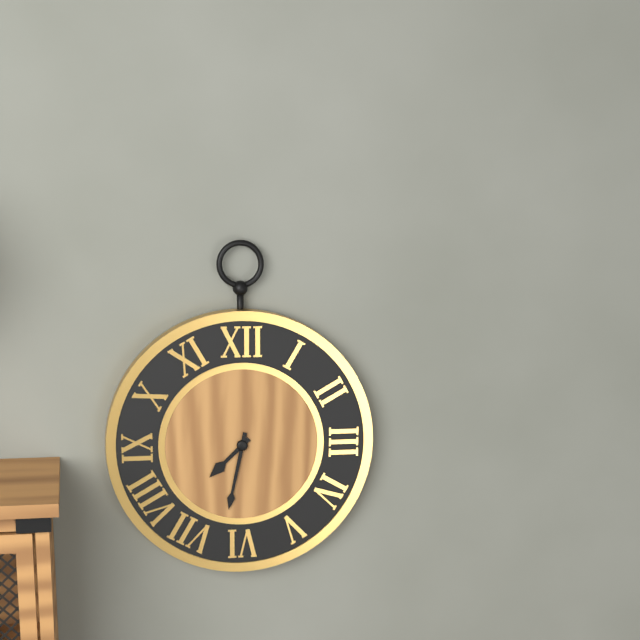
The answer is 7:32
